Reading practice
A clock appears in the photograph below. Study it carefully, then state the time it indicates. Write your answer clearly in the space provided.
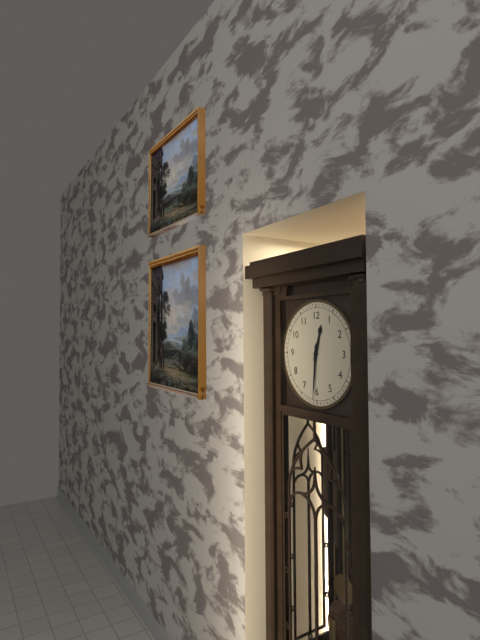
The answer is 12:31
